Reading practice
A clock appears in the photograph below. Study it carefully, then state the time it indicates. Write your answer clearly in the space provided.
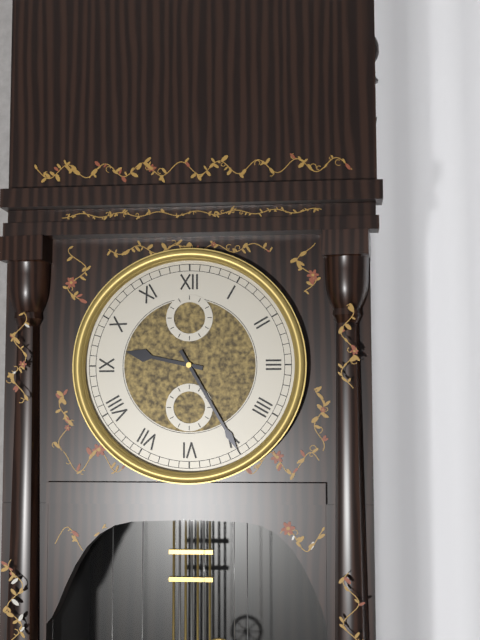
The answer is 9:25
